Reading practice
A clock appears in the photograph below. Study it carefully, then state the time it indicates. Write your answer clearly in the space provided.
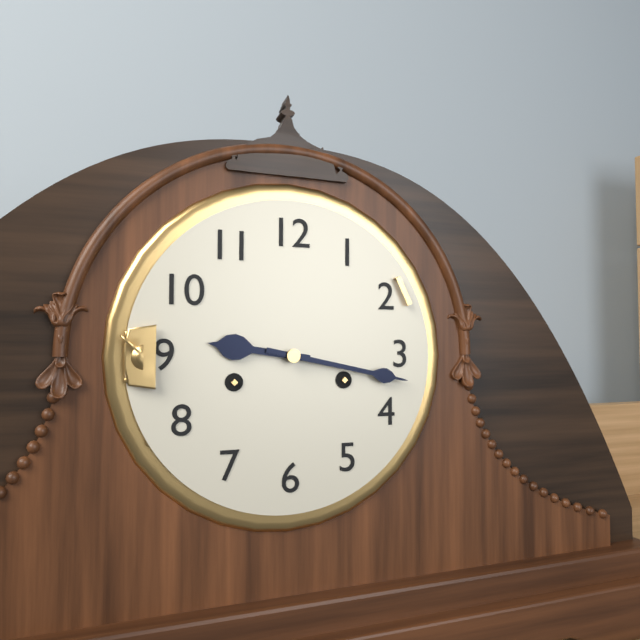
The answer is 9:17
